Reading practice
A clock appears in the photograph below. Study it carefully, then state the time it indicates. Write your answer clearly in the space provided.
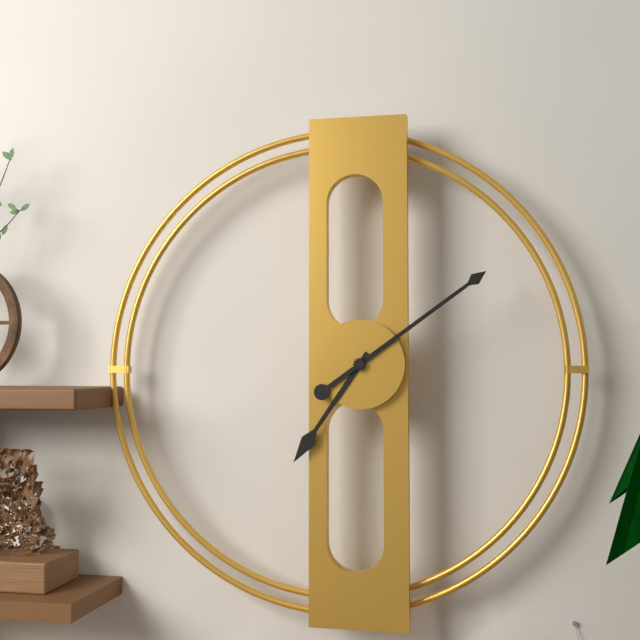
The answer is 7:09
